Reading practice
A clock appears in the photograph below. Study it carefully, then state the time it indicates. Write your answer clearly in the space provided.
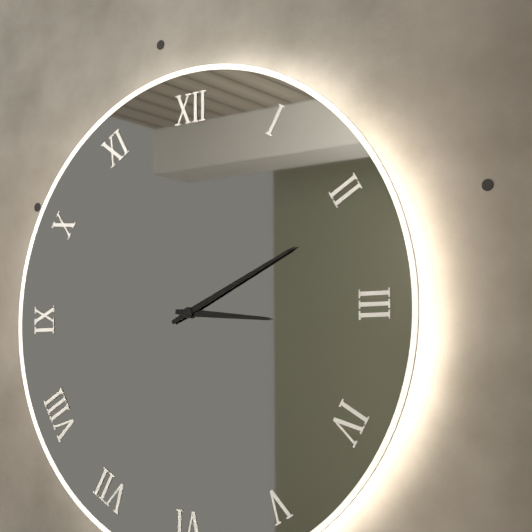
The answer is 3:11
